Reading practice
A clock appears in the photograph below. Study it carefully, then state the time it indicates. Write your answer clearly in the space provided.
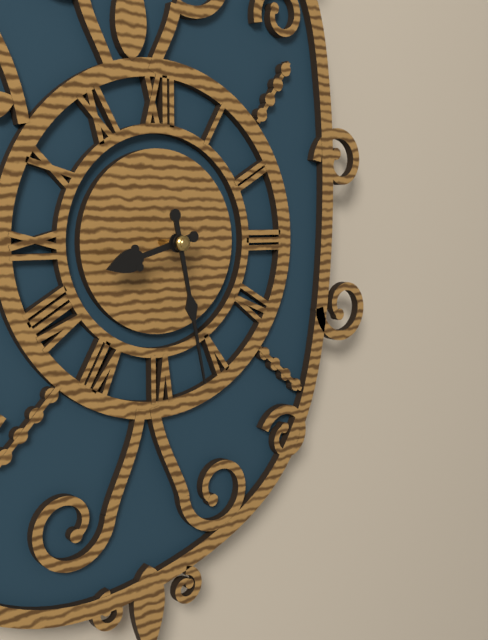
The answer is 8:28
